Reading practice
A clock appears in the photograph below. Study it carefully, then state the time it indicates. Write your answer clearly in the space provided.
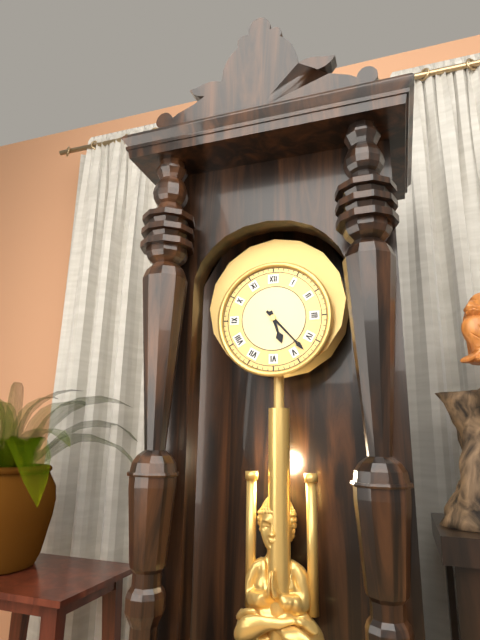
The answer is 5:23
